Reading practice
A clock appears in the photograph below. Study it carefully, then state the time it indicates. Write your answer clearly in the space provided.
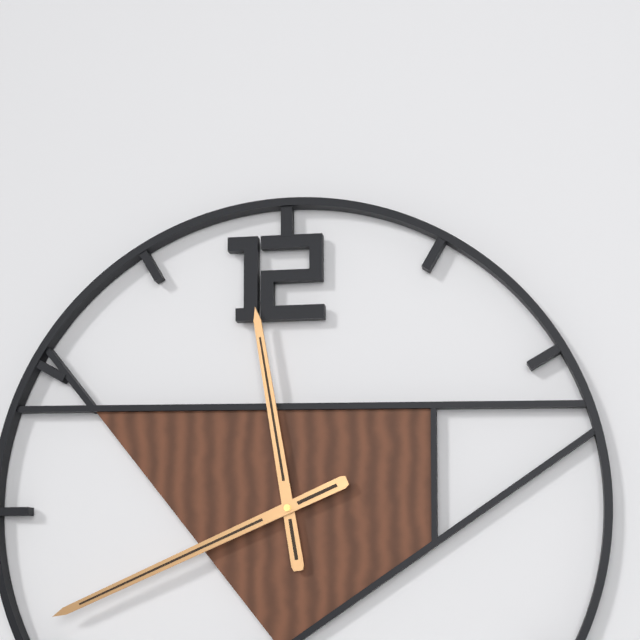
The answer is 11:41
